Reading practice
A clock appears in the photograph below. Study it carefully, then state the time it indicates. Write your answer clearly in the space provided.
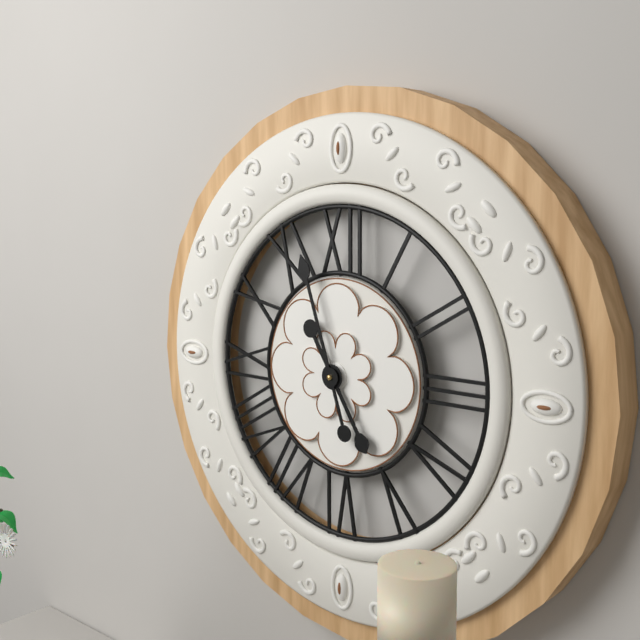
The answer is 4:57
